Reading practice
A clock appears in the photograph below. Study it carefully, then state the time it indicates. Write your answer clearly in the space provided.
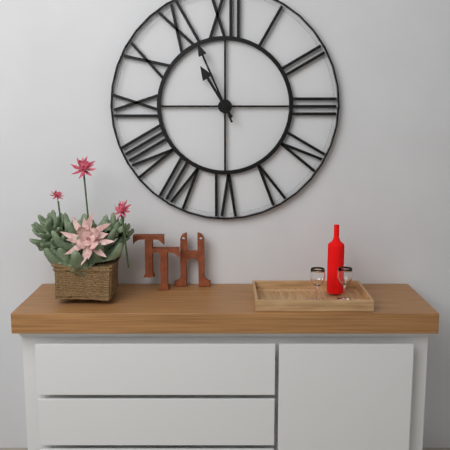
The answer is 10:56
